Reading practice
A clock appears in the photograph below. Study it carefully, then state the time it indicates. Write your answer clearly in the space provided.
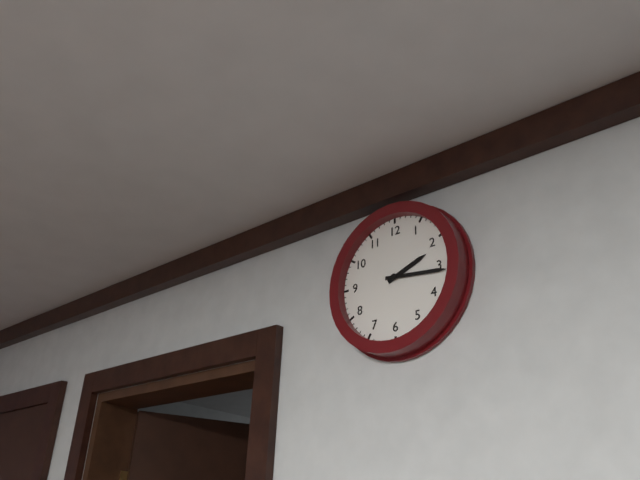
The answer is 2:16
